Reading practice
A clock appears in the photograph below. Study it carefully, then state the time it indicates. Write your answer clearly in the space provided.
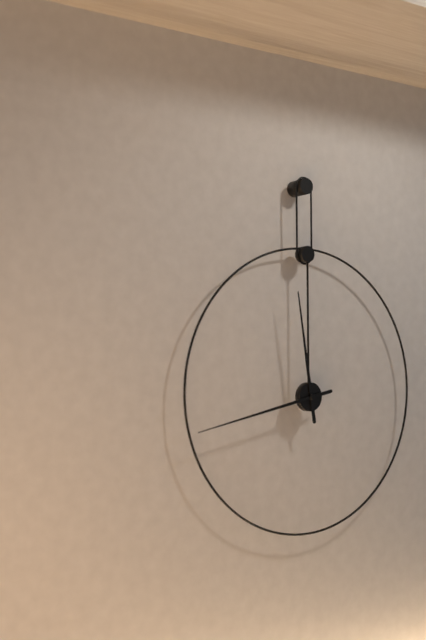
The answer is 11:43
